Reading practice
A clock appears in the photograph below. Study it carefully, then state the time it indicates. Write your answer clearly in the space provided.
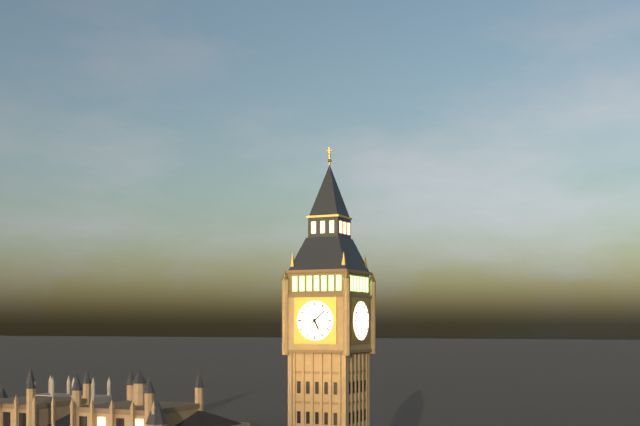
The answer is 5:08
